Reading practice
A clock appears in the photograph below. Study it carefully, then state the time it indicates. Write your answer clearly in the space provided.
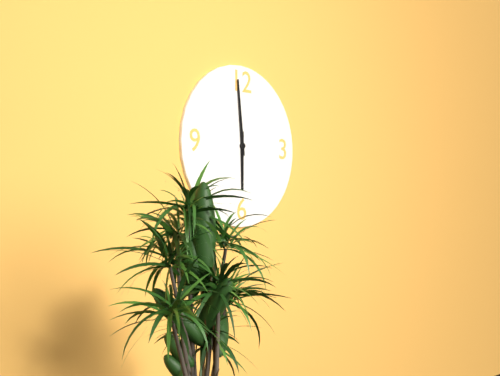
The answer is 5:59
